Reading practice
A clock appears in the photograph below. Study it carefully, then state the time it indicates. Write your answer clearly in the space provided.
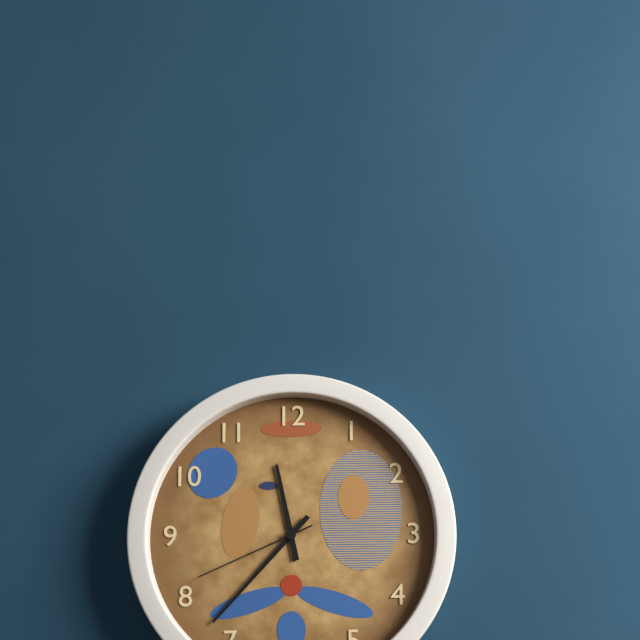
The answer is 11:37:41
